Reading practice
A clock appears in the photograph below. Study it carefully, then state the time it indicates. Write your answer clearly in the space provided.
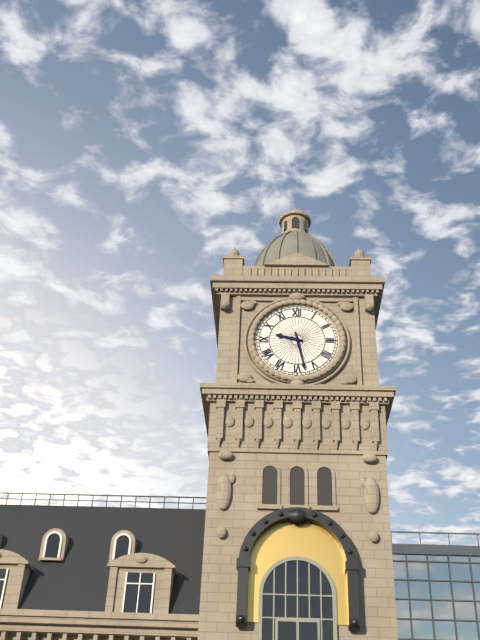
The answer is 9:28
